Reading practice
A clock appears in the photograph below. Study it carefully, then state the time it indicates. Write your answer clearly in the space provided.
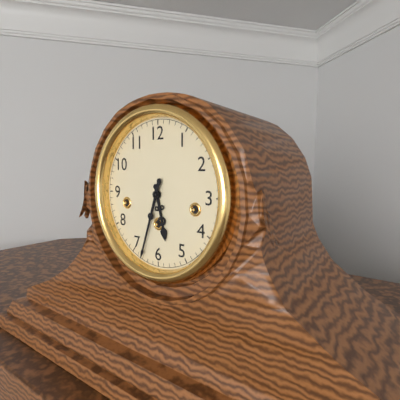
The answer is 5:33
